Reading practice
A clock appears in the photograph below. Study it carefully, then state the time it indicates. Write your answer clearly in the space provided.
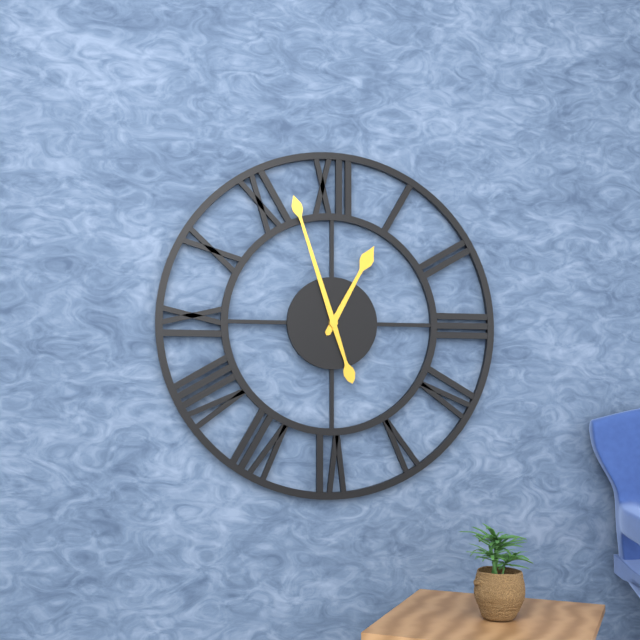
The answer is 12:57
